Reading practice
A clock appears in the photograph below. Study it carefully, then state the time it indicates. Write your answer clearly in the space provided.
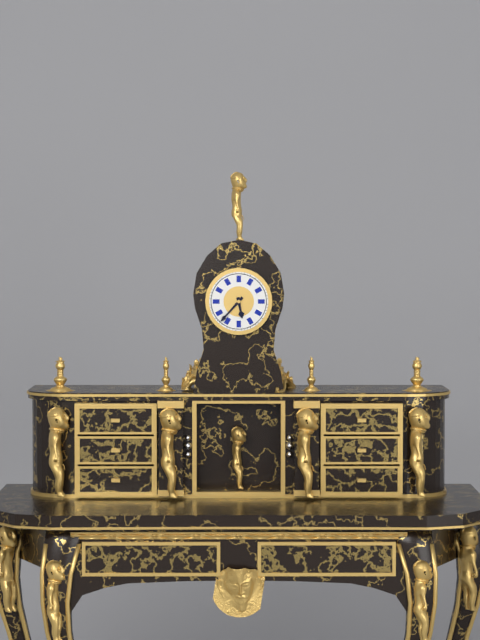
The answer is 5:37
